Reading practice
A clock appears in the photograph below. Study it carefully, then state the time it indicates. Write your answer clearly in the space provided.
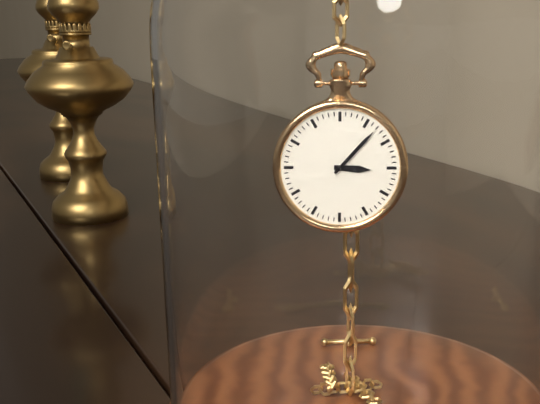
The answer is 3:07
